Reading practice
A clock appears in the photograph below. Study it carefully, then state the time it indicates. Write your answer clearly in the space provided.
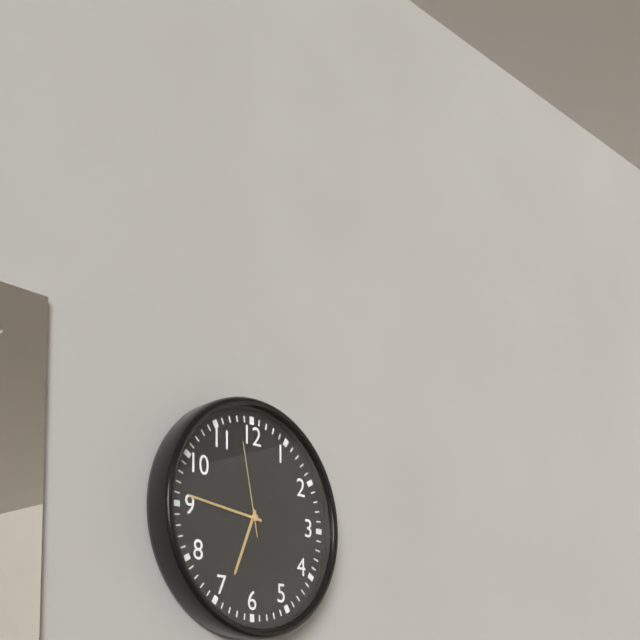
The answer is 6:46:58
